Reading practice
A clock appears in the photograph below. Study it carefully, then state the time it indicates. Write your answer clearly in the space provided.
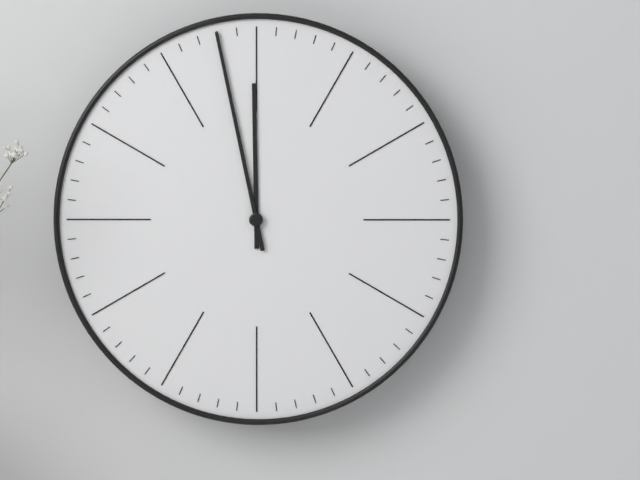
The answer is 11:58
